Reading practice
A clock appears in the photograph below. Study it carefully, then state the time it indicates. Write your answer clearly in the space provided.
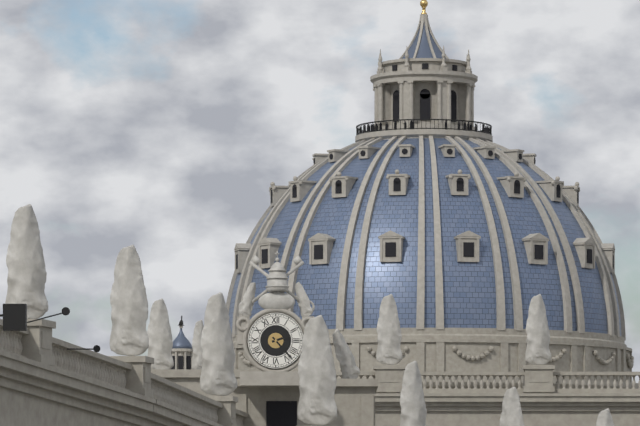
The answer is 2:23
